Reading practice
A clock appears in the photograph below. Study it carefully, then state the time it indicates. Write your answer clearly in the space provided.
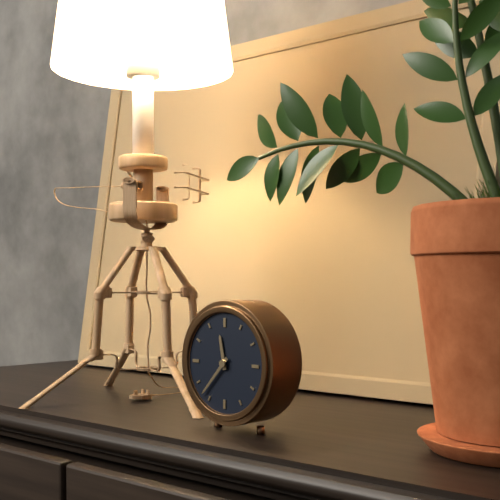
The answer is 11:37
